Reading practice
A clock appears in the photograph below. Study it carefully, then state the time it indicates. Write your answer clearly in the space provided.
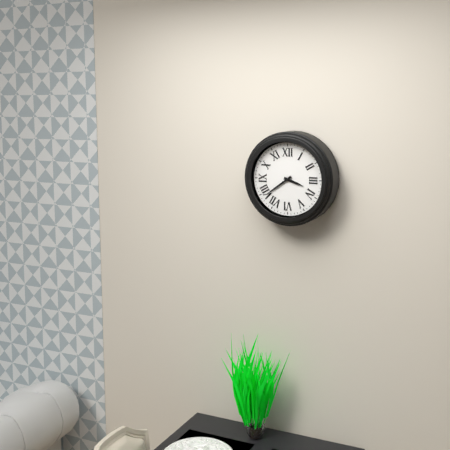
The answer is 3:39
